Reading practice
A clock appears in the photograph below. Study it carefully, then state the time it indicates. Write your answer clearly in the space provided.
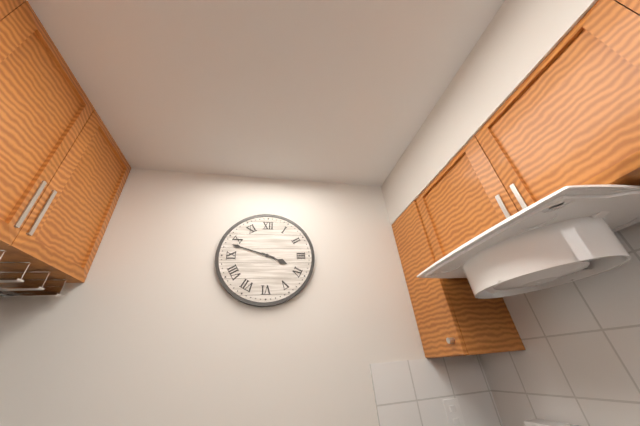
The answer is 3:48
